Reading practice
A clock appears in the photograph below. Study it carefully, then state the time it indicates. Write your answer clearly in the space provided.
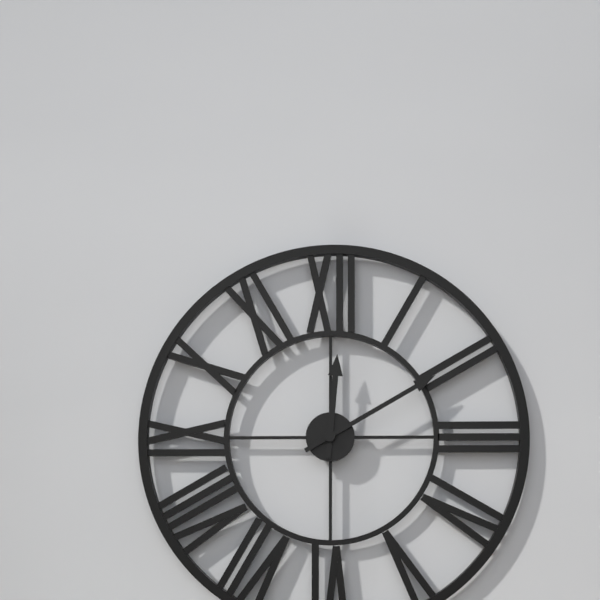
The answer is 12:10
